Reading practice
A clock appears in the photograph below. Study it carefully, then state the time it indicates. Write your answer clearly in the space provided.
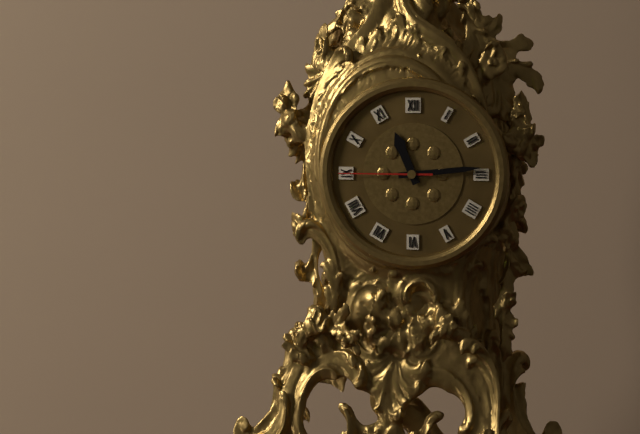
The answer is 11:14:45
